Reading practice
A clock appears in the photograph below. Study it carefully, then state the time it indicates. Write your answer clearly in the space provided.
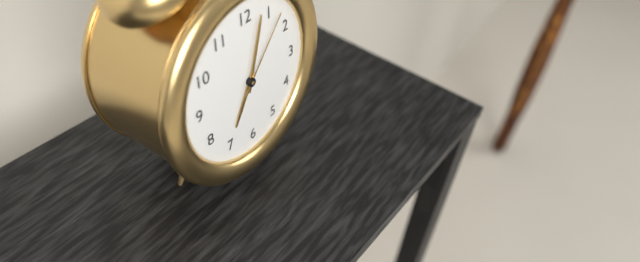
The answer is 7:03:07
